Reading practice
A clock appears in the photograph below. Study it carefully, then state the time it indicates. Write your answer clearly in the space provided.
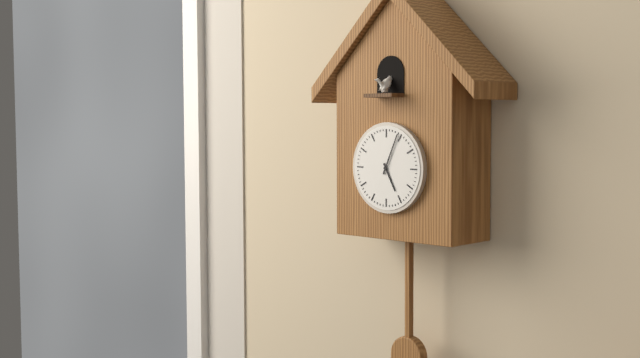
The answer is 5:04
